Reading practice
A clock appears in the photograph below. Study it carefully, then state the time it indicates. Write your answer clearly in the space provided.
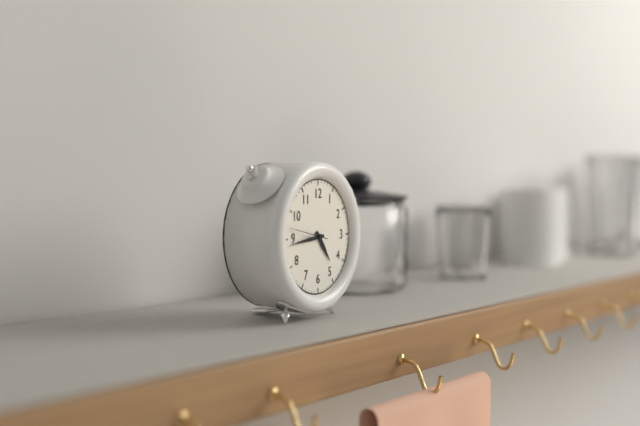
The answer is 4:44
